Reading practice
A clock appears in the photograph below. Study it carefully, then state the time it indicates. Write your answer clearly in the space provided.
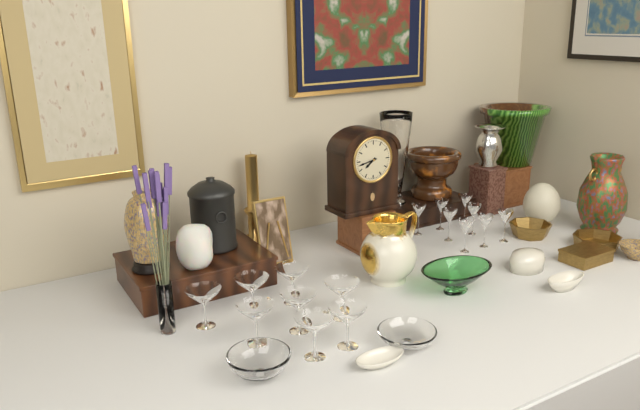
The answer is 7:43
